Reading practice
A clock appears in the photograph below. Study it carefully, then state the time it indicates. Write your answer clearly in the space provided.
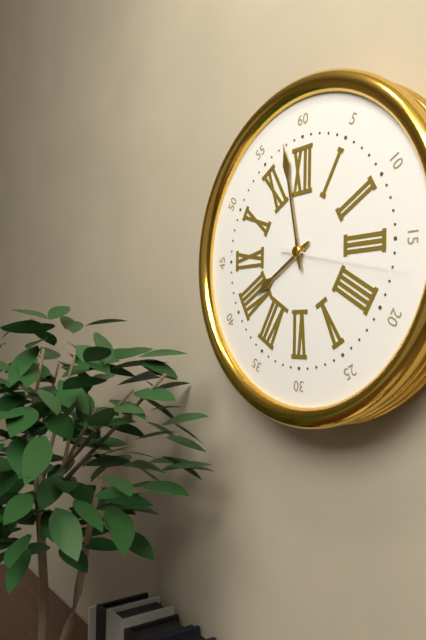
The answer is 7:58:17
